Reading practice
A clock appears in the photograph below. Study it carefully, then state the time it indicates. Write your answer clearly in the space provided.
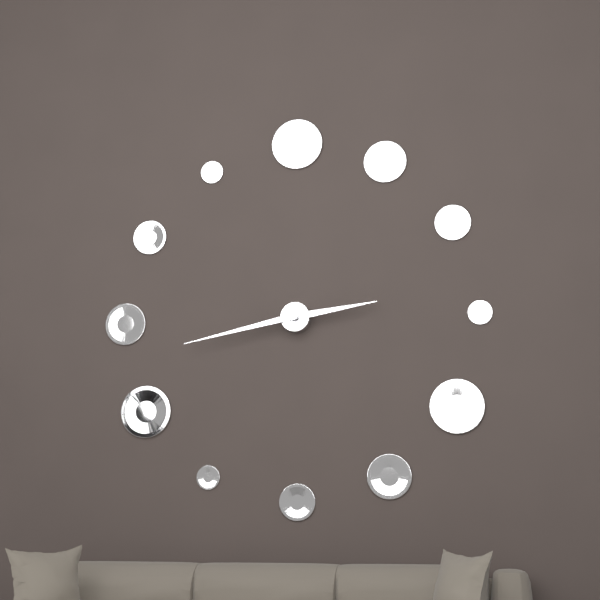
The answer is 2:43
